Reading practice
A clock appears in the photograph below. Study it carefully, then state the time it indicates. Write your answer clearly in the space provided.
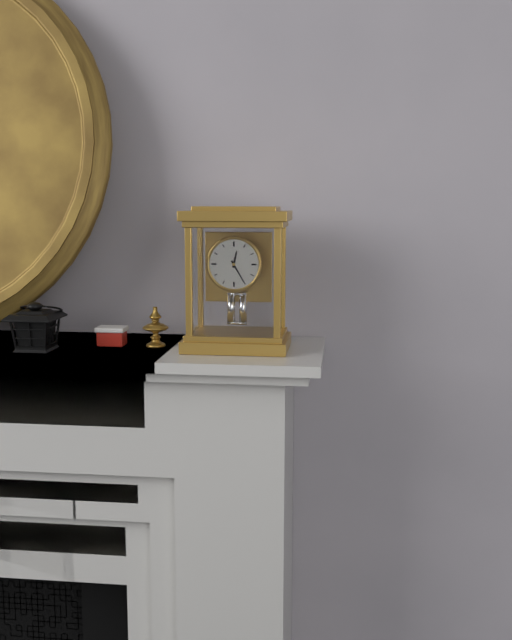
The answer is 12:25
